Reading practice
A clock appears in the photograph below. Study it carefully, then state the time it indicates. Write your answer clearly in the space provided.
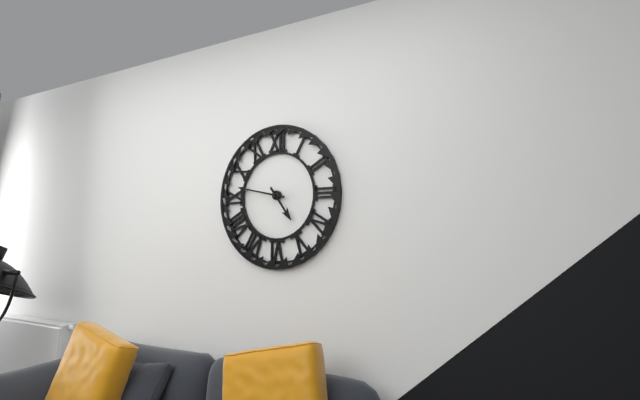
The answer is 4:47
